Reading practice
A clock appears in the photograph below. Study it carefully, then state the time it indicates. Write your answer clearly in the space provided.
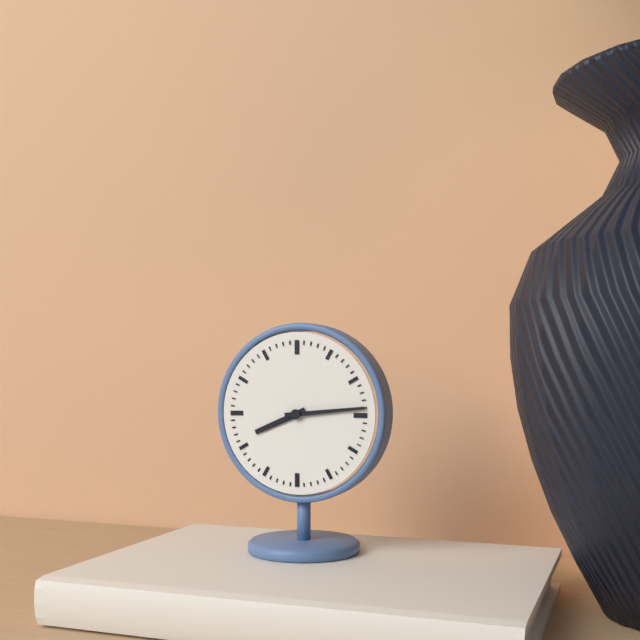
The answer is 8:14
